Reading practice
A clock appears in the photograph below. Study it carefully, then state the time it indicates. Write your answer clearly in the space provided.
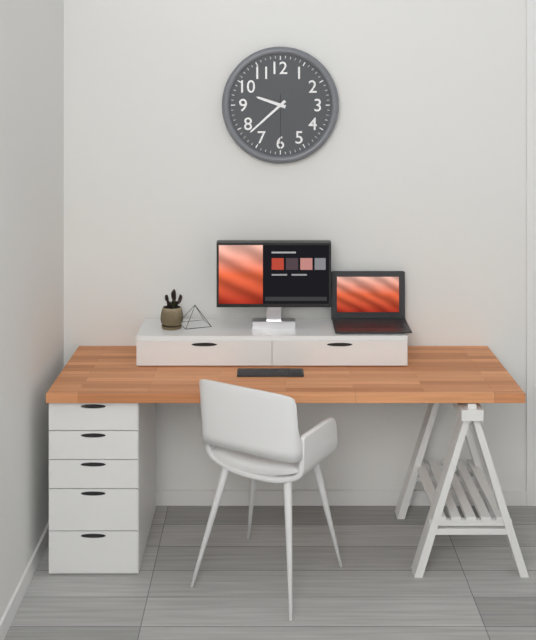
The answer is 9:38:30
